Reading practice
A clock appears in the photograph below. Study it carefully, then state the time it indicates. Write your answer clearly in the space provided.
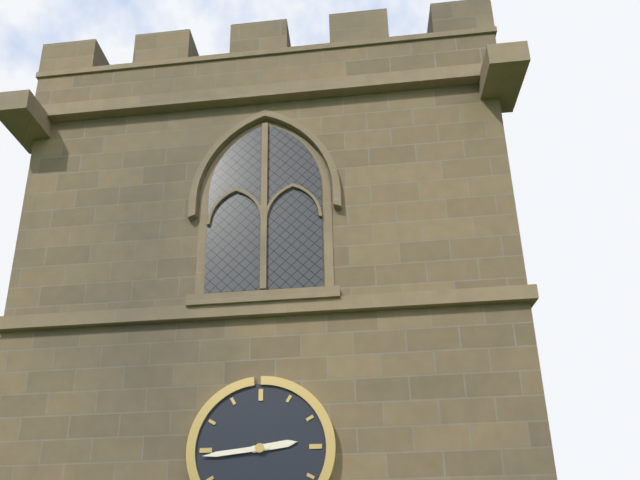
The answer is 2:44
